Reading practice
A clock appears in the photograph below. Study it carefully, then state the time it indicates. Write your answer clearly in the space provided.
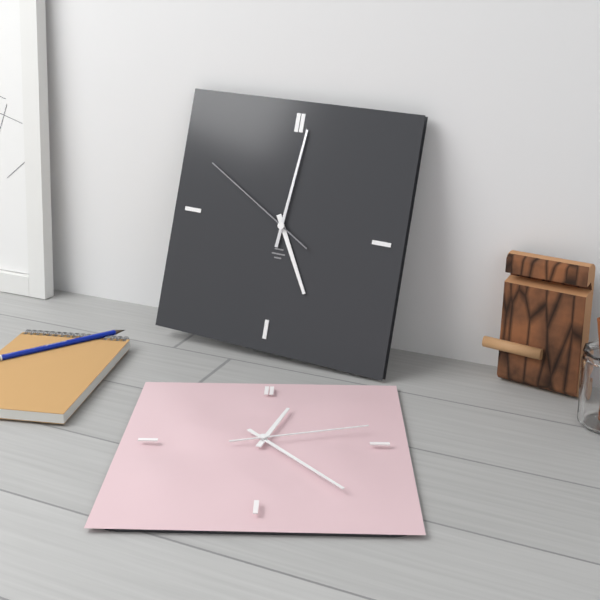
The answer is 5:01:50
